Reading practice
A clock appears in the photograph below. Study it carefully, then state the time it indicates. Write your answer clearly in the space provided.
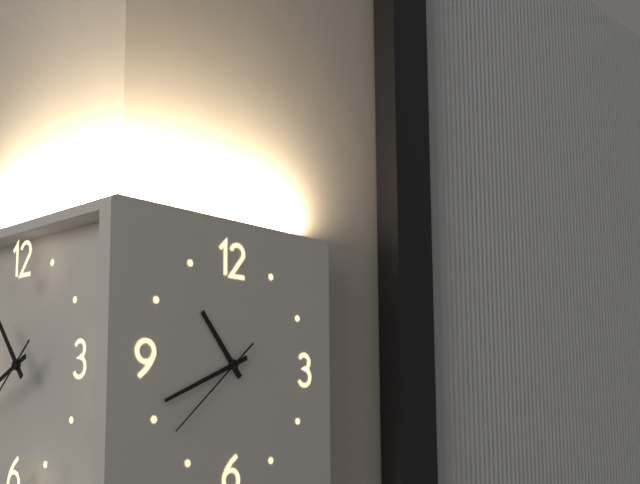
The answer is 10:41:38
